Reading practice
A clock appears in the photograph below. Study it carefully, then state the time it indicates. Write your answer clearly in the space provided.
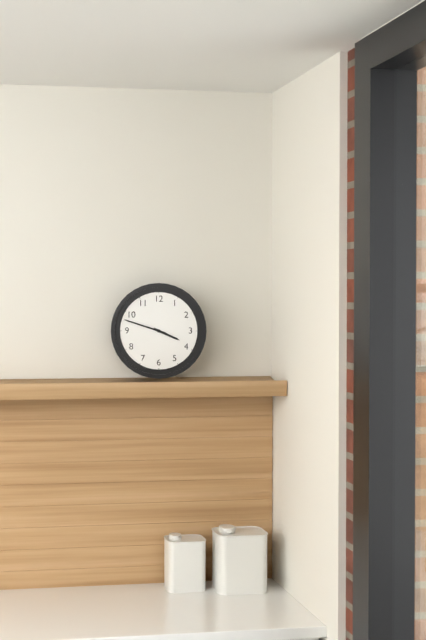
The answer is 3:48
